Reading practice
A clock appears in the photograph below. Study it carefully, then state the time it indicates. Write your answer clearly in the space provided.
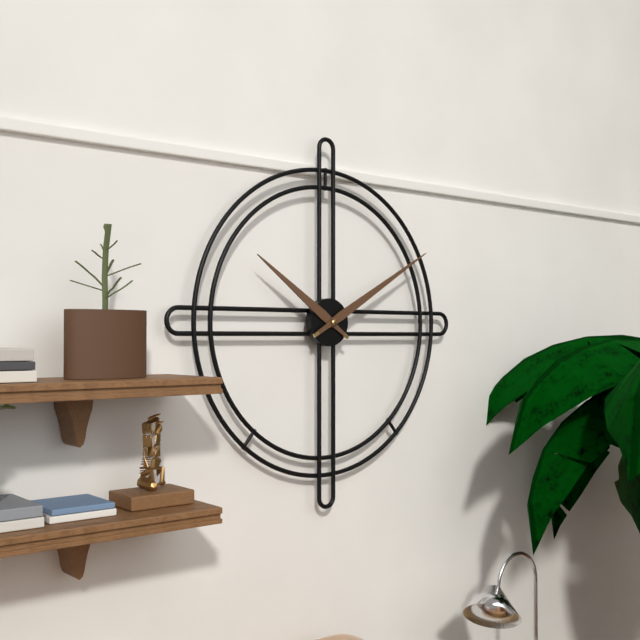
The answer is 10:10
